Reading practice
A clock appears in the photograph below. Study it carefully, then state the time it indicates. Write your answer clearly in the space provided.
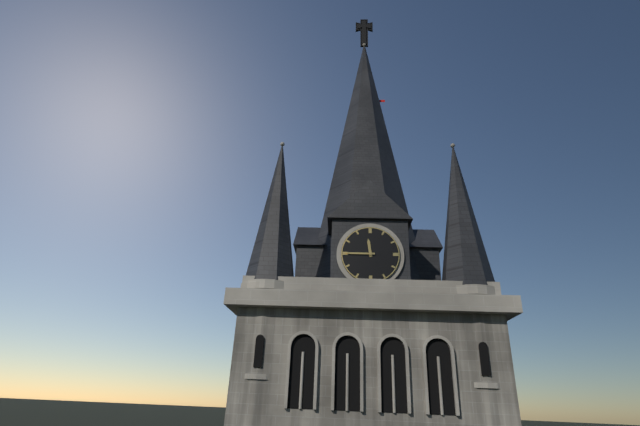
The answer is 11:45
